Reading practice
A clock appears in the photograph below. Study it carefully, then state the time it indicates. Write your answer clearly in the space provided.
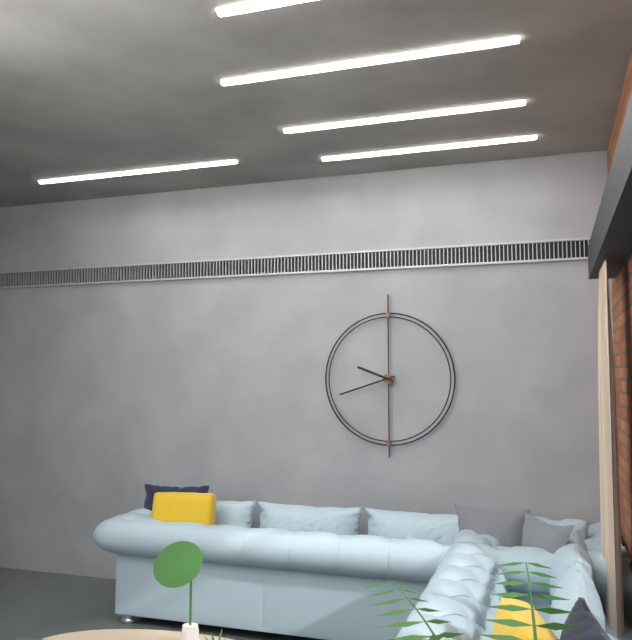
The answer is 9:42
